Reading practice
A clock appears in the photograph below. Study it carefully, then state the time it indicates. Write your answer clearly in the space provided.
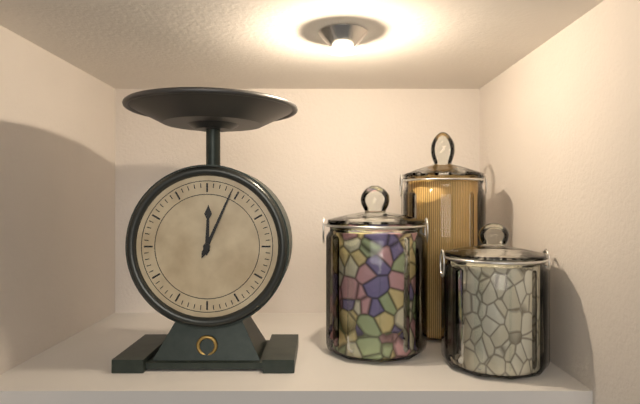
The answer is 12:04
